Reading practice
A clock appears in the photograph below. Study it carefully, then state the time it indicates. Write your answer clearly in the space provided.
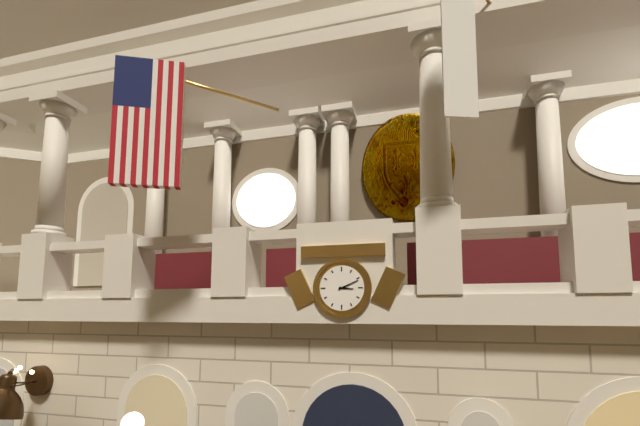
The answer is 3:11
